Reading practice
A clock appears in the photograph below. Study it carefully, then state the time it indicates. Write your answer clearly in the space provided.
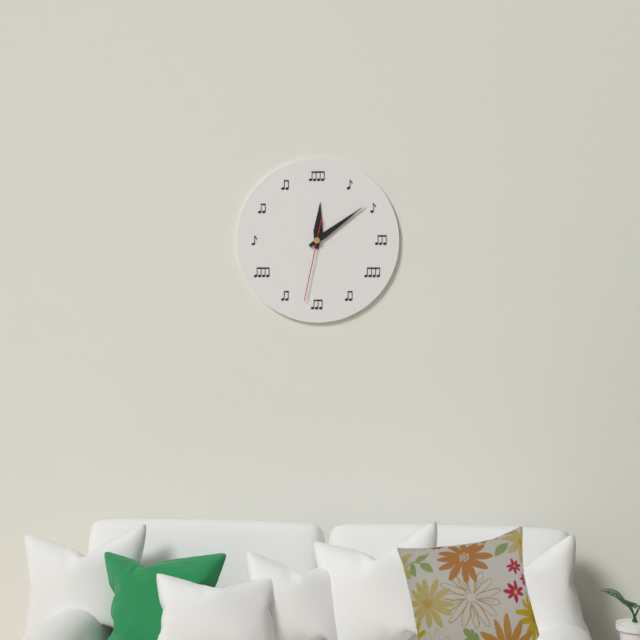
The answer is 12:09:32
